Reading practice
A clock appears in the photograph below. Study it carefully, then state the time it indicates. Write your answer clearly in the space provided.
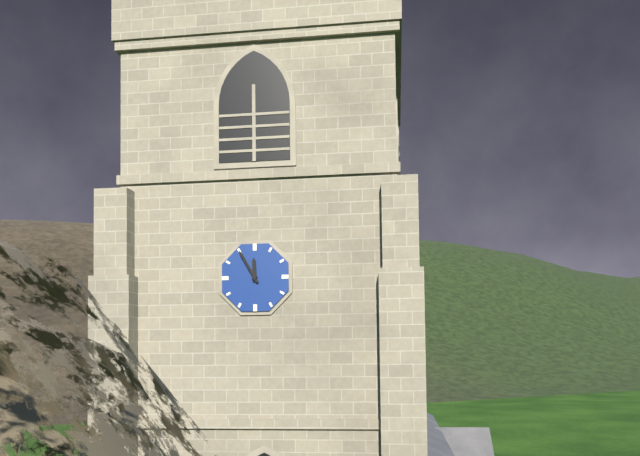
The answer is 11:55
